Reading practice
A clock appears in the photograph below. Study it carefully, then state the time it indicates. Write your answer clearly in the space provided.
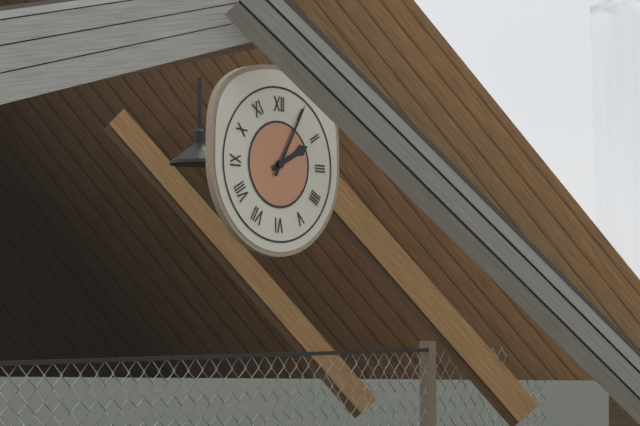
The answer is 2:05
